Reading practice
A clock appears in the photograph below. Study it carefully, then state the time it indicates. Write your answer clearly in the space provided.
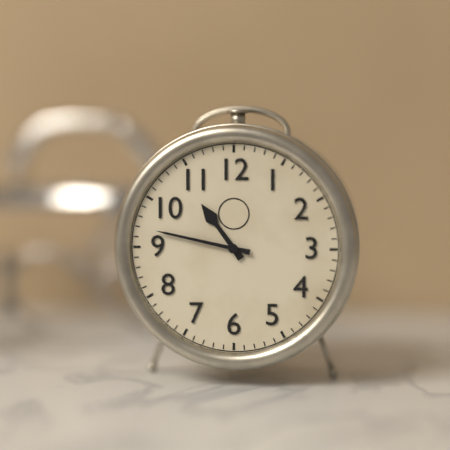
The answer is 10:47
